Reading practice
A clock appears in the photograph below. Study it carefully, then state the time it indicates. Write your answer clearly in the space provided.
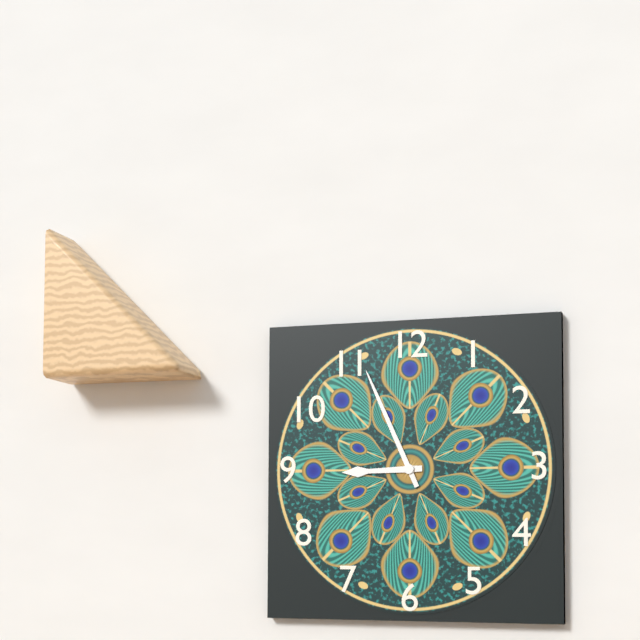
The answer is 8:56
